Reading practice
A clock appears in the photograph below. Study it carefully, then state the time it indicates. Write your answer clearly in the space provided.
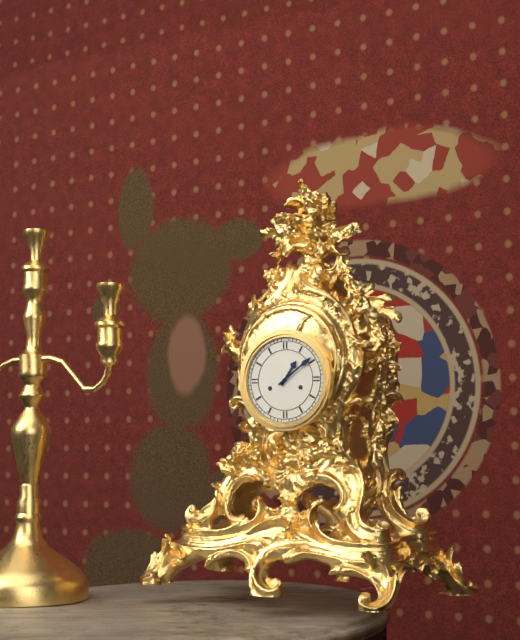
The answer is 1:09
